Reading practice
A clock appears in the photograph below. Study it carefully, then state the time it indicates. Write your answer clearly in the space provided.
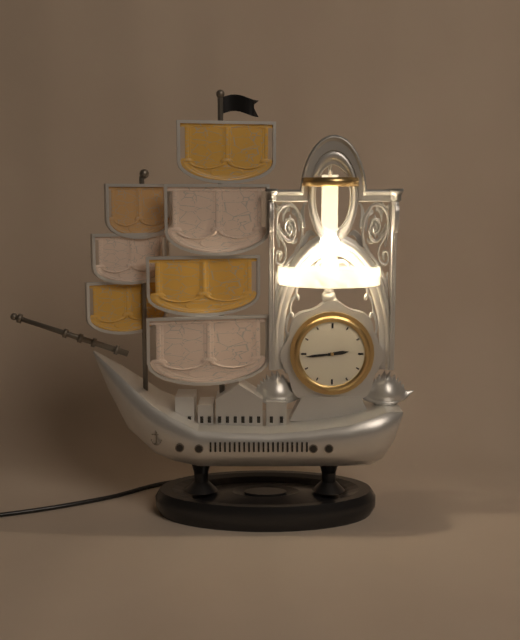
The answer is 2:44
